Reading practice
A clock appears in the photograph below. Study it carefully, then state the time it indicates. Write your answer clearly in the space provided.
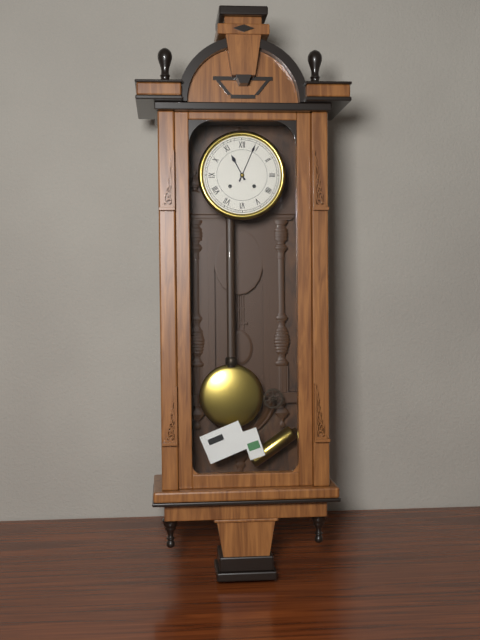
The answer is 11:04
